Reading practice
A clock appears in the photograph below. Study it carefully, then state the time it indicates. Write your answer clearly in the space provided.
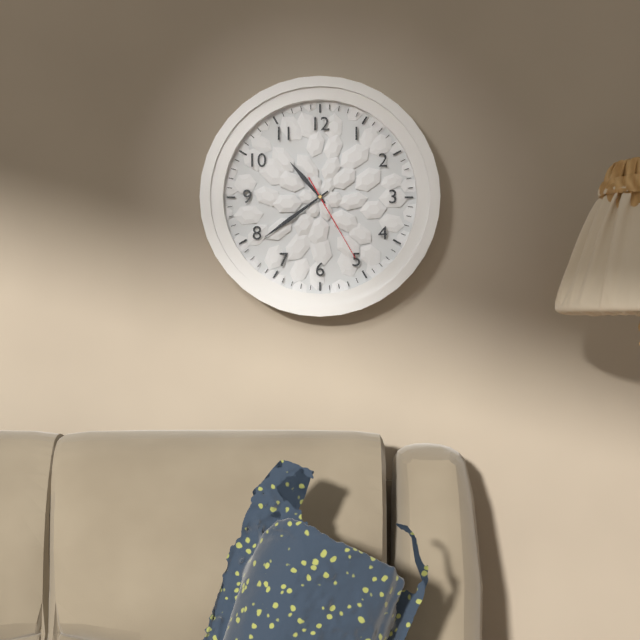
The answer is 10:39:25
